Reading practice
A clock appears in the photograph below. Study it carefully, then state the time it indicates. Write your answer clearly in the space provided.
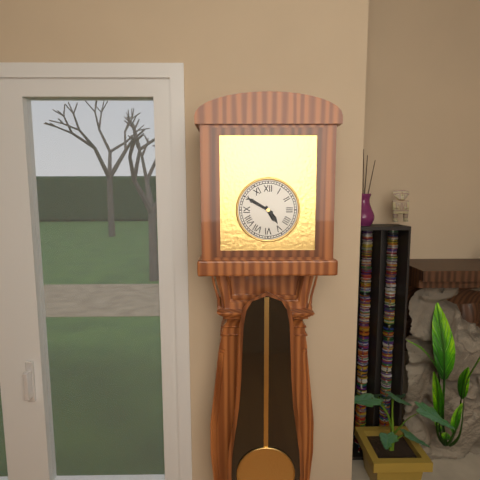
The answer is 4:50
